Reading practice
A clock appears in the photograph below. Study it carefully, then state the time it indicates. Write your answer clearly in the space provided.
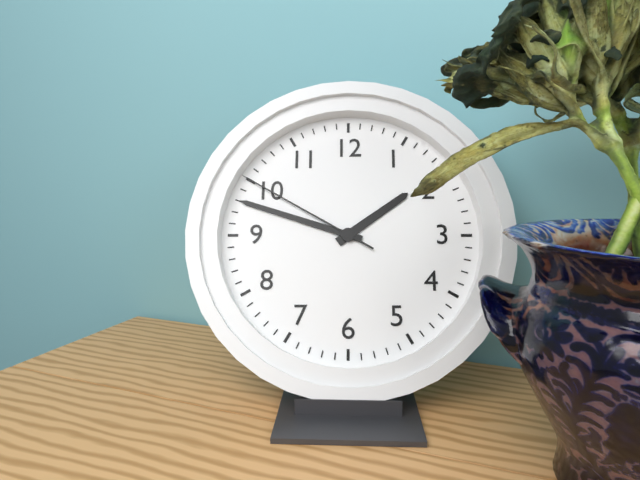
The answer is 1:48:50
